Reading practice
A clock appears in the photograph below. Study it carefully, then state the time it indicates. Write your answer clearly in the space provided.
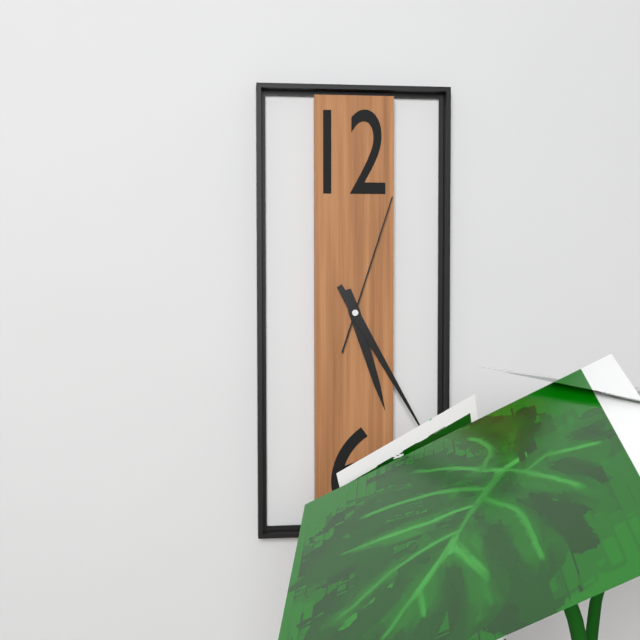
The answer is 5:25:03
